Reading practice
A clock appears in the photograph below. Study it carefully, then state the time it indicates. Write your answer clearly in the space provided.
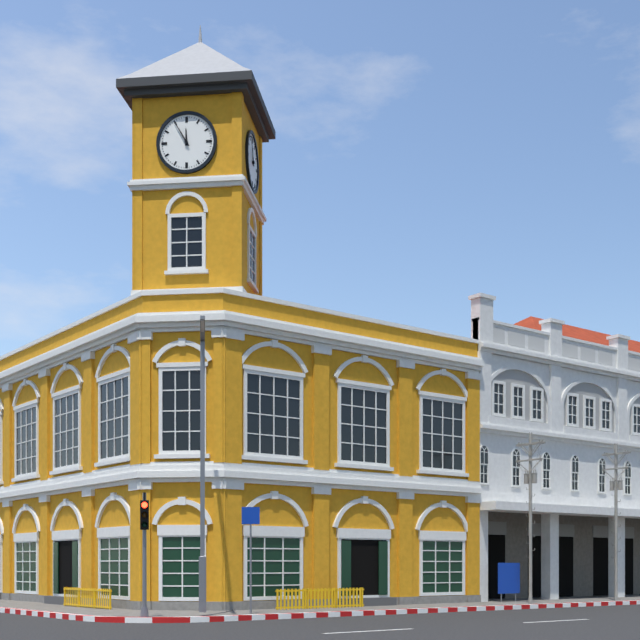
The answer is 11:55
